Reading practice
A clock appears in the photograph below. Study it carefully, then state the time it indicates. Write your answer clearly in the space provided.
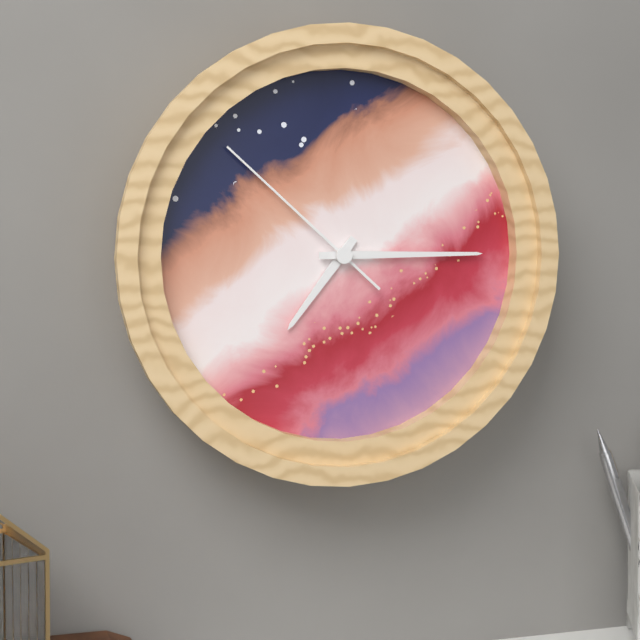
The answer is 7:15:52
